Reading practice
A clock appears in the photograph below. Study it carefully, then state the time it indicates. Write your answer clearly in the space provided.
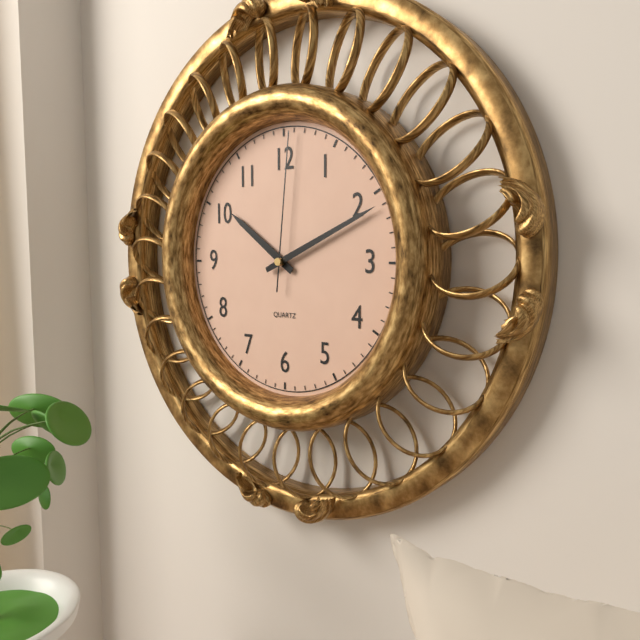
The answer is 10:11:01
